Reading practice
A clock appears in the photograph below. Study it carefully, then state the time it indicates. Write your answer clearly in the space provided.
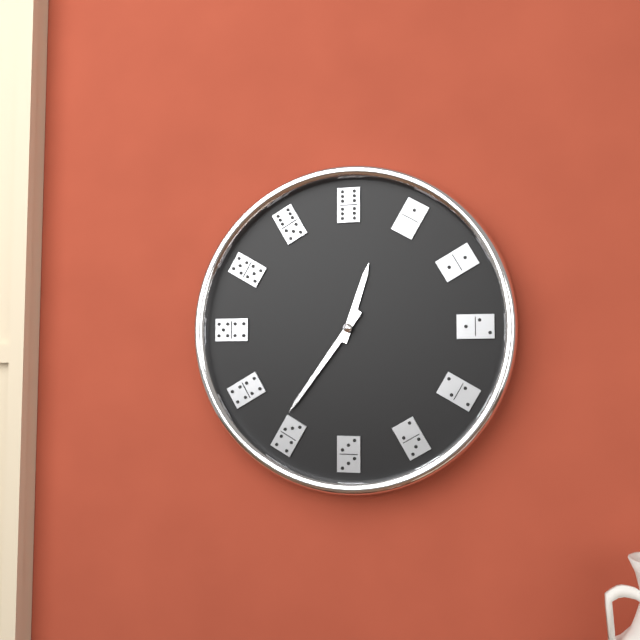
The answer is 12:36
